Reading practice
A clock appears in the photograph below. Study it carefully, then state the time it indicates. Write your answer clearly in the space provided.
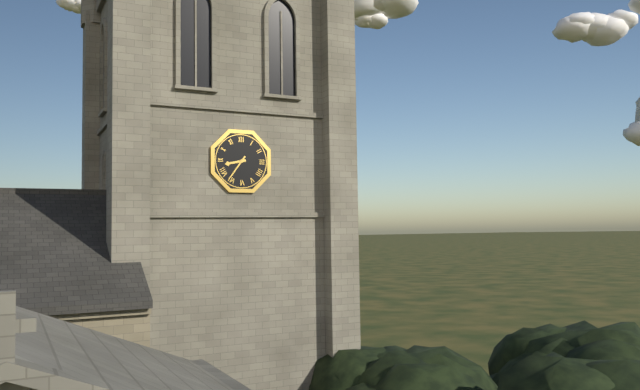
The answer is 8:36
